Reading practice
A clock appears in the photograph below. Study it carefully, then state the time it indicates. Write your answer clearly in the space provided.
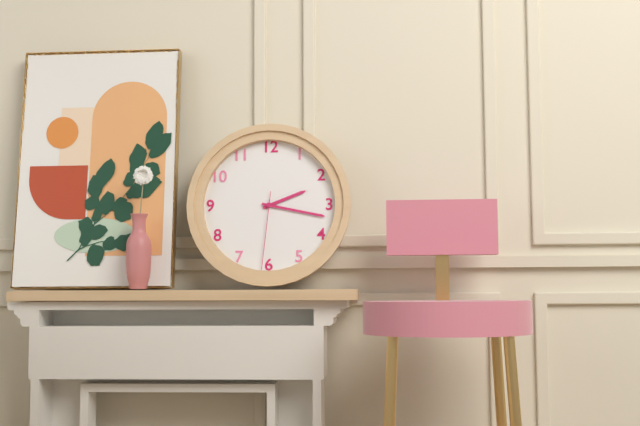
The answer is 2:17:31
